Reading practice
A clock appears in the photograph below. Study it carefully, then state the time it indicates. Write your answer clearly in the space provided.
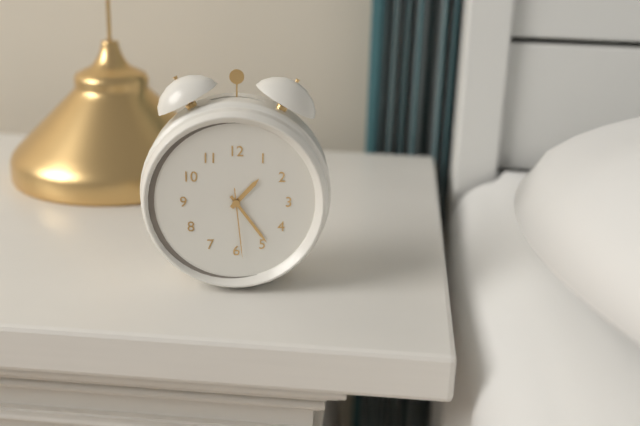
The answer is 1:24:29
